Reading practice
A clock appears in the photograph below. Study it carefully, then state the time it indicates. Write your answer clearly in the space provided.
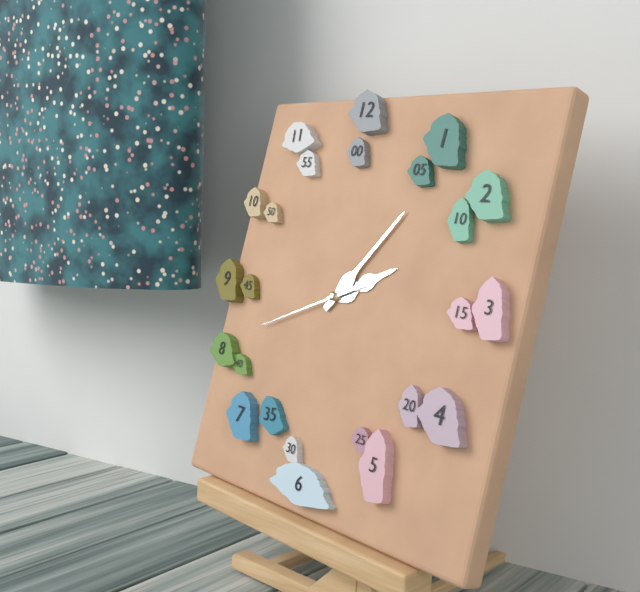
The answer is 2:06:41
